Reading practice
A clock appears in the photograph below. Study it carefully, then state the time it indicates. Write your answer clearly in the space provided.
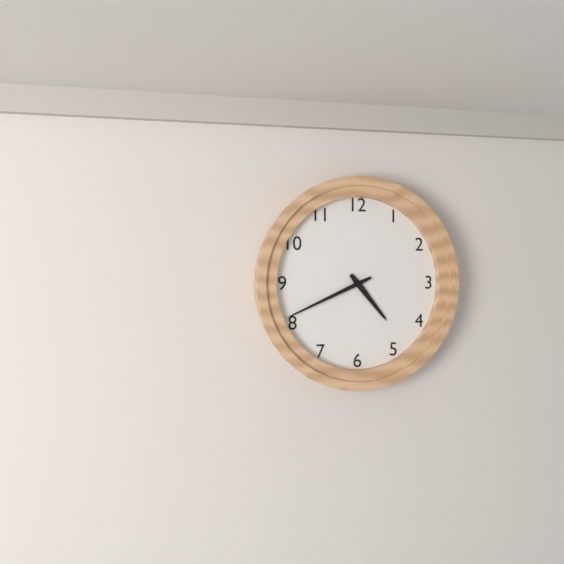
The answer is 4:41
